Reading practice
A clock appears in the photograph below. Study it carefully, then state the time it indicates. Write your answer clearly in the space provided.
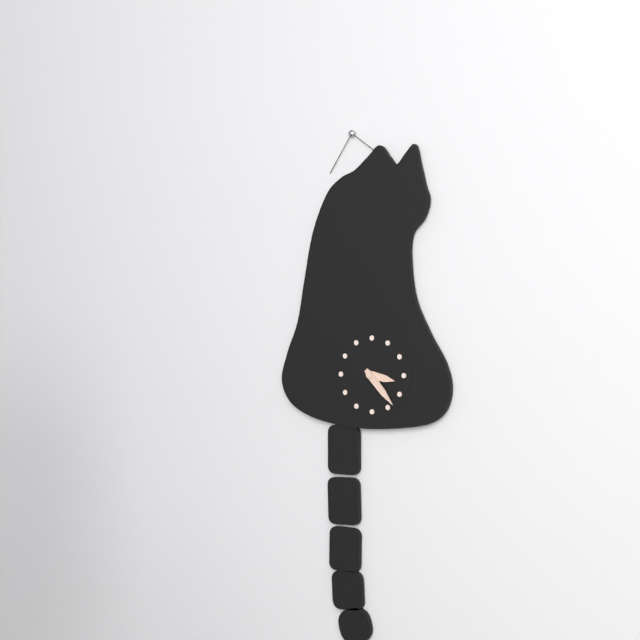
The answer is 3:23
